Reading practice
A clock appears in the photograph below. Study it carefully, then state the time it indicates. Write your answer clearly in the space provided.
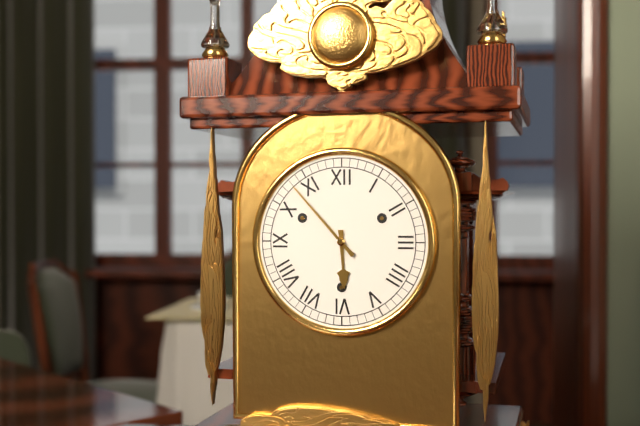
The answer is 5:53
